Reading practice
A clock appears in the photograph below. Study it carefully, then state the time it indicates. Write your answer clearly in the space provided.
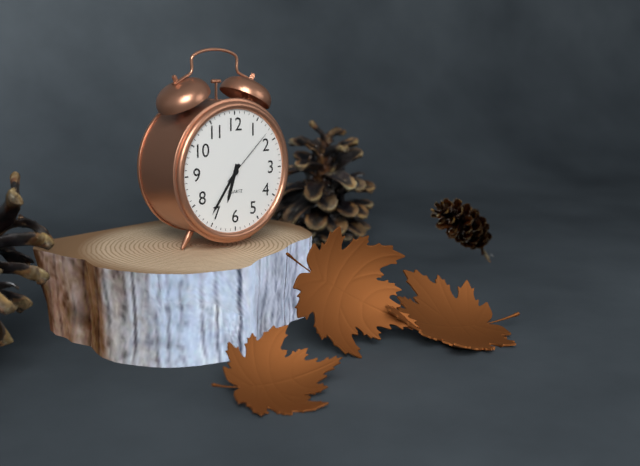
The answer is 6:36:08
